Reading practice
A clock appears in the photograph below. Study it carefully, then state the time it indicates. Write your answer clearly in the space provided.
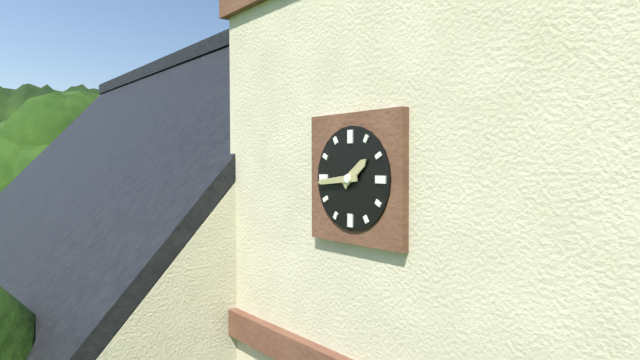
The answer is 1:44
